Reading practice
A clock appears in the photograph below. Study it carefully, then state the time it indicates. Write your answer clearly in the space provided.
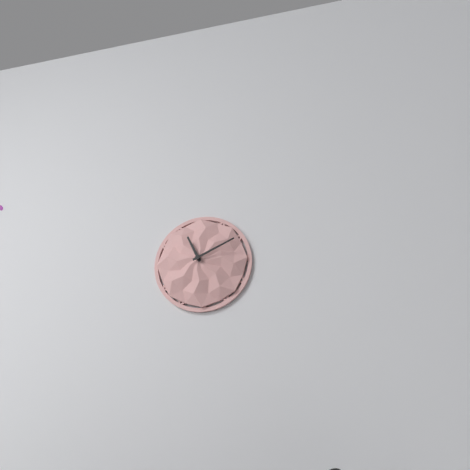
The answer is 11:11
